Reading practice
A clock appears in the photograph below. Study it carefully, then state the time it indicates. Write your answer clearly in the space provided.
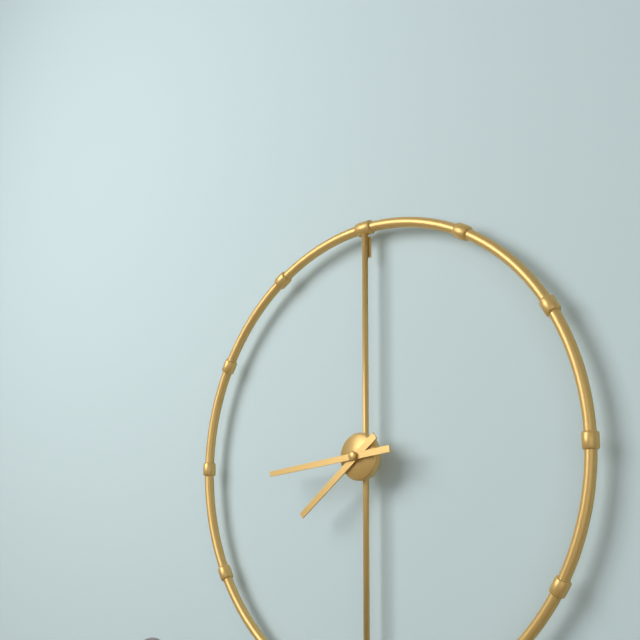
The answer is 7:44
